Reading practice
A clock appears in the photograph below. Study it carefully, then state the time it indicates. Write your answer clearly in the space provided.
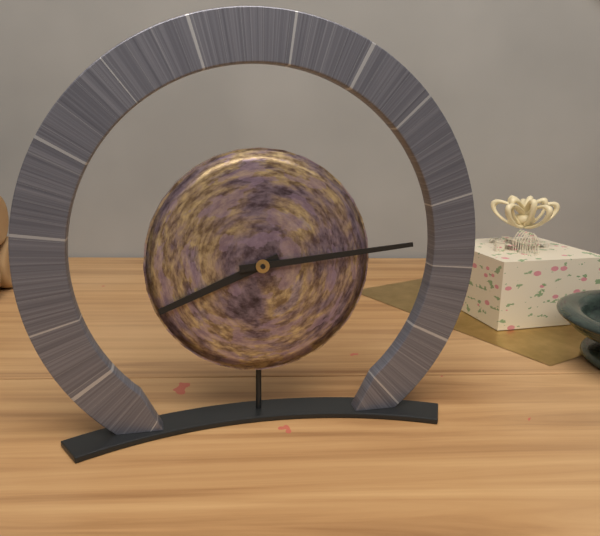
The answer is 8:14
